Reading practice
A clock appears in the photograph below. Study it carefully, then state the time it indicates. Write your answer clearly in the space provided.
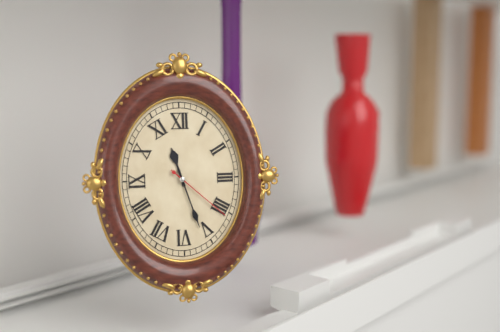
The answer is 11:27:22
